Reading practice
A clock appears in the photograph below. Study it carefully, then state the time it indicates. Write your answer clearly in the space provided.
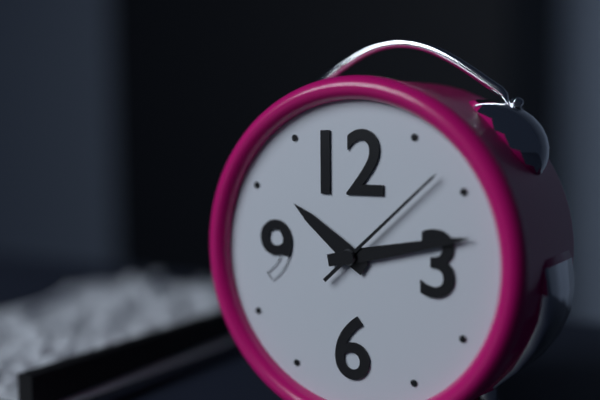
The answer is 10:13:08
